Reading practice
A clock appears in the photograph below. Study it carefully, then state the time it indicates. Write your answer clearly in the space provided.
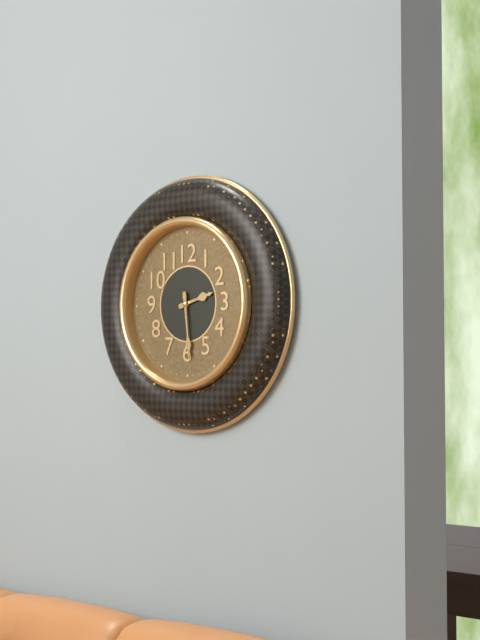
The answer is 2:29
